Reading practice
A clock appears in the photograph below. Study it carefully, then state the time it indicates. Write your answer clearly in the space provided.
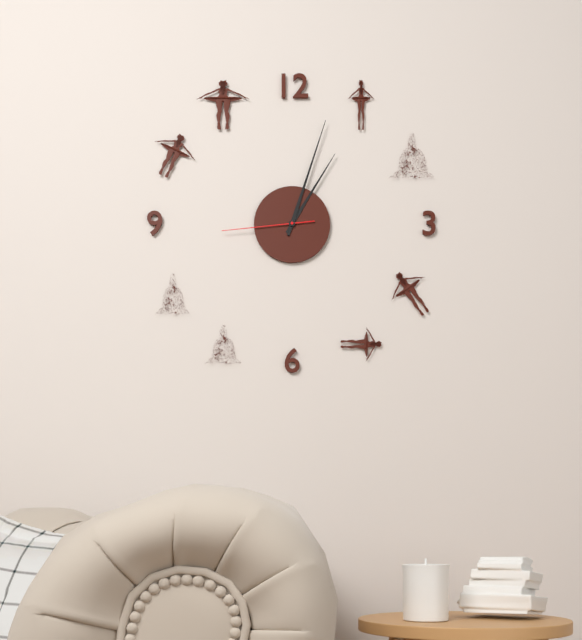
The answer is 1:03:44
